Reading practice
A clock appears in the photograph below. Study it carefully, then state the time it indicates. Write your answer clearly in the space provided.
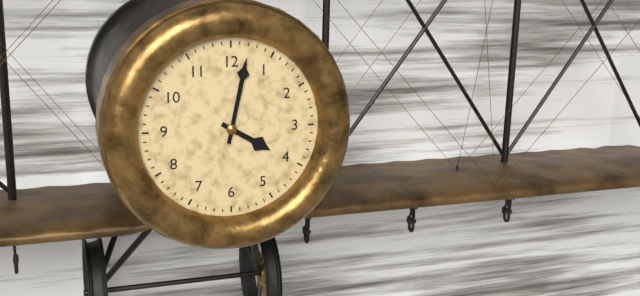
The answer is 4:02
